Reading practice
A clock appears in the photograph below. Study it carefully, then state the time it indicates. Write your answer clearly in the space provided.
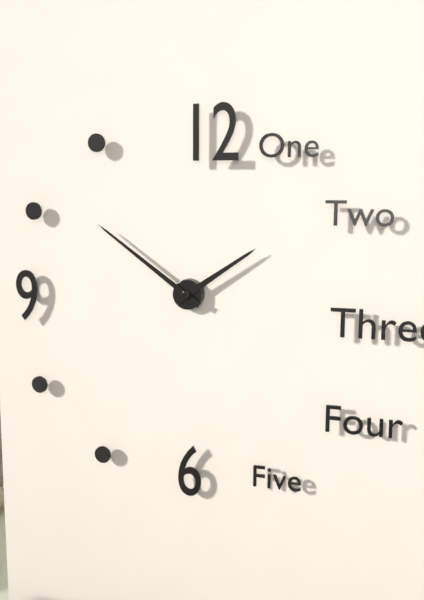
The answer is 1:51
